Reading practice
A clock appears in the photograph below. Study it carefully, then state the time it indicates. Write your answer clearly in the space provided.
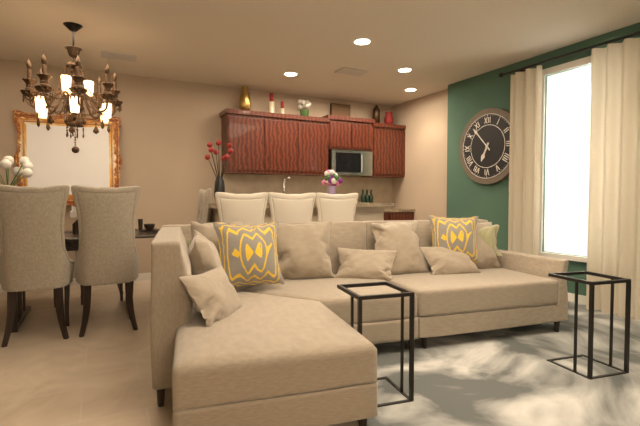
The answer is 6:53
